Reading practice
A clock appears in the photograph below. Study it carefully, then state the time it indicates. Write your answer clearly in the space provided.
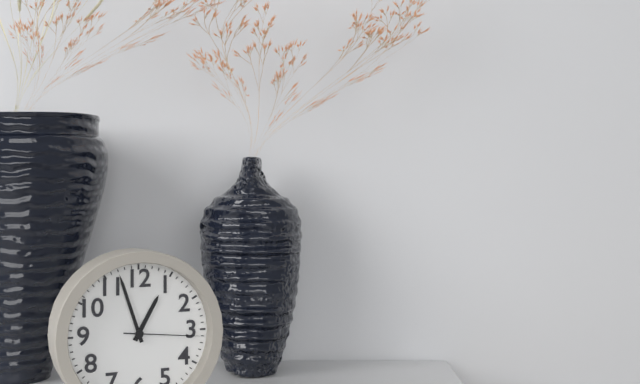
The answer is 12:57:16
